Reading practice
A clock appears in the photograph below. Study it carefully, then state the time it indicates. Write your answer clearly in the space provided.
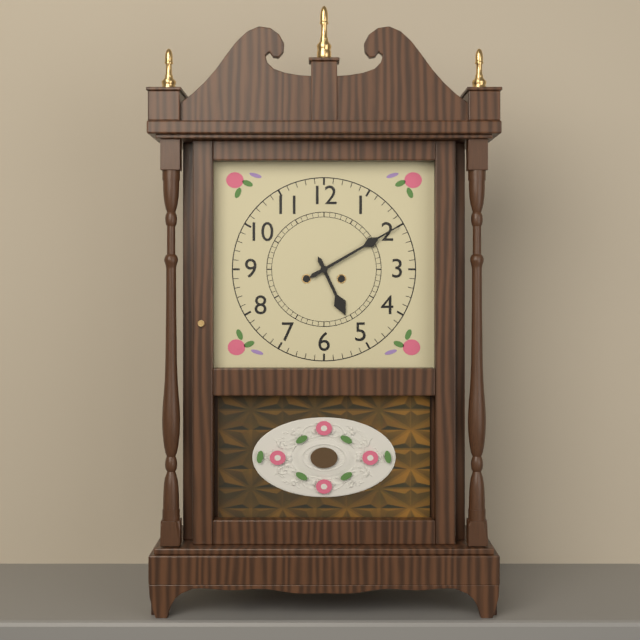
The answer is 5:10
